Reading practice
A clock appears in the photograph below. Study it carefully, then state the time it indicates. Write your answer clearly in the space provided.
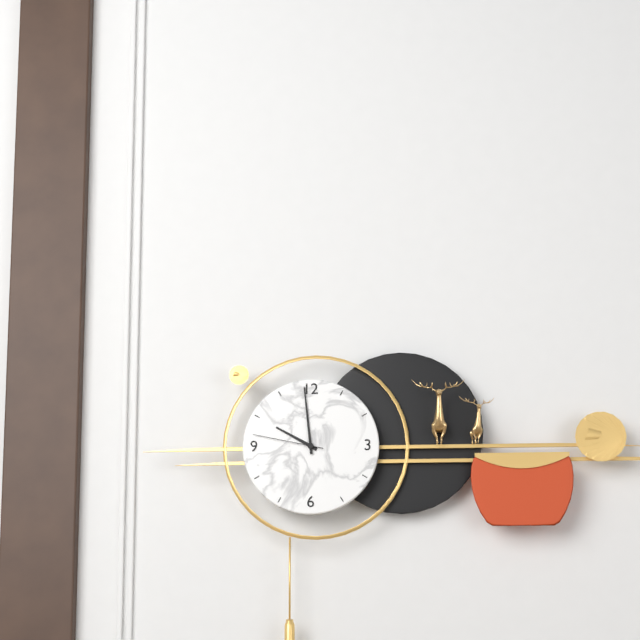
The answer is 9:59:47
